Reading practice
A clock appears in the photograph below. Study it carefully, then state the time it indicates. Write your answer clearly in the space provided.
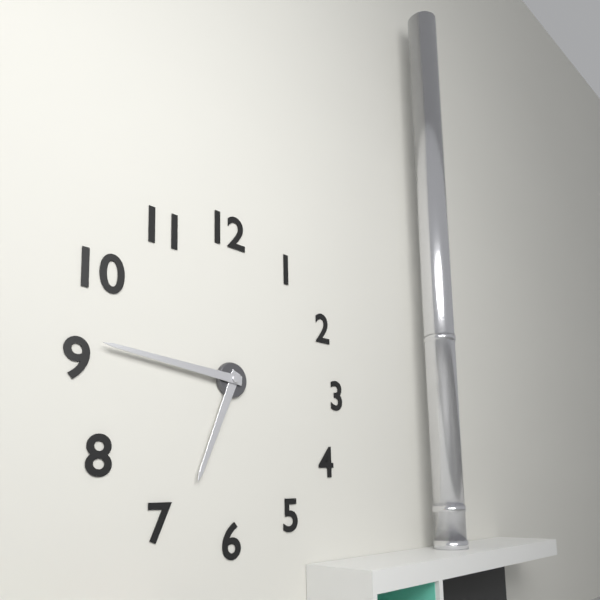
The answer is 6:46
